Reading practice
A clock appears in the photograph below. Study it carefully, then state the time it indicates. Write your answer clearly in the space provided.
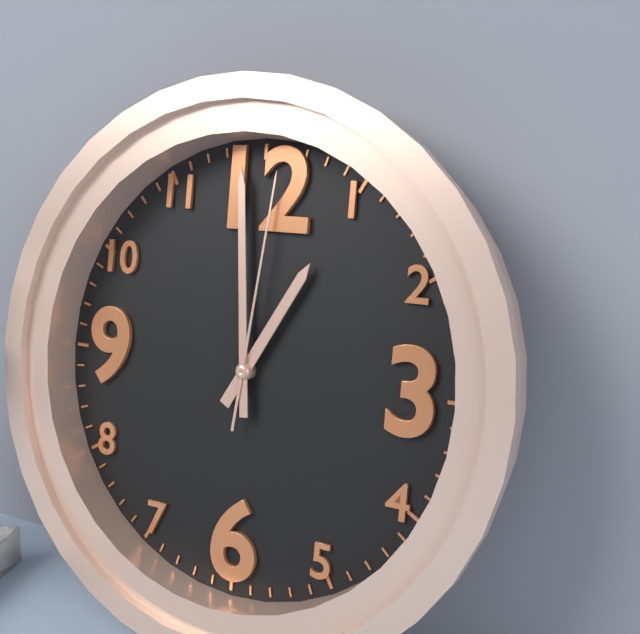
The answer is 12:59:01
